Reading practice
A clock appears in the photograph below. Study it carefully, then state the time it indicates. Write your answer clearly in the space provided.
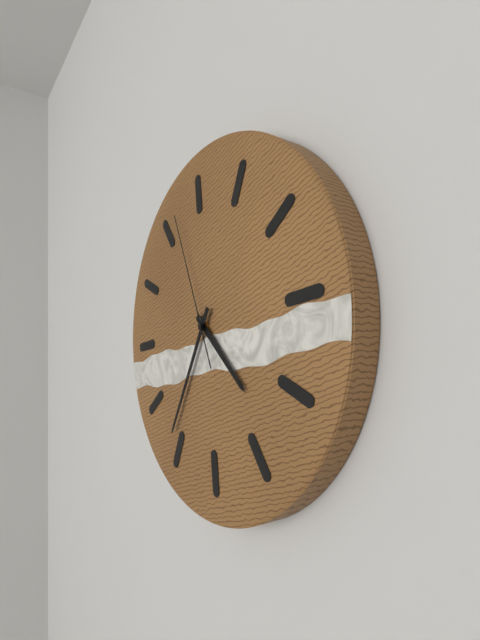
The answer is 4:36:57
